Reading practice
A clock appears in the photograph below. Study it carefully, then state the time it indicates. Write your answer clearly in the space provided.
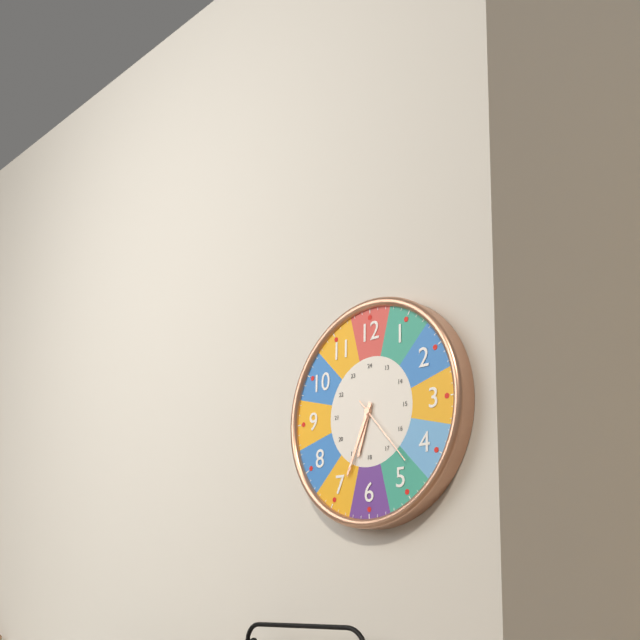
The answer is 6:34:23
